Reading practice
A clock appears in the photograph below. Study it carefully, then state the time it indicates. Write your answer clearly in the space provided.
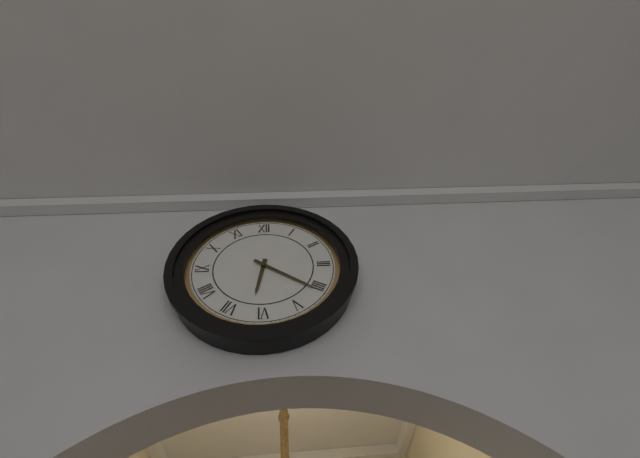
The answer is 6:21
